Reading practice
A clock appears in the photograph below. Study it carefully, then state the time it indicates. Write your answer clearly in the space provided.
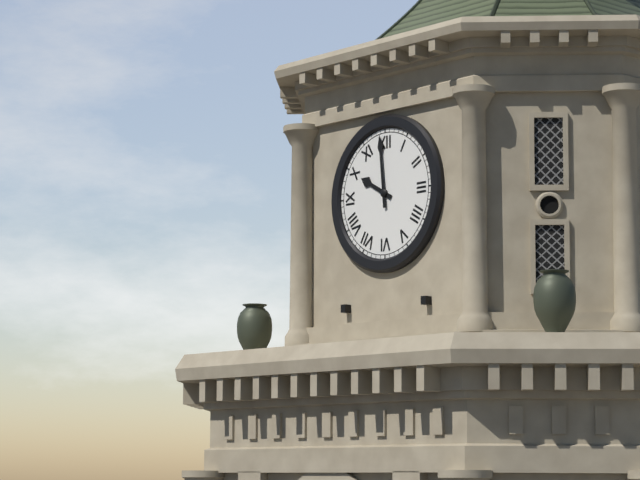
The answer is 9:59
